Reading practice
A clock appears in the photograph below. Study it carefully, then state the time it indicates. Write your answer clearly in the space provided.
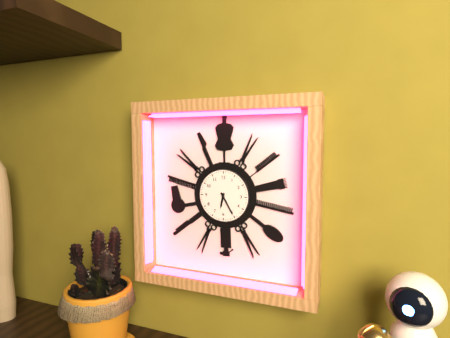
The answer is 6:25
